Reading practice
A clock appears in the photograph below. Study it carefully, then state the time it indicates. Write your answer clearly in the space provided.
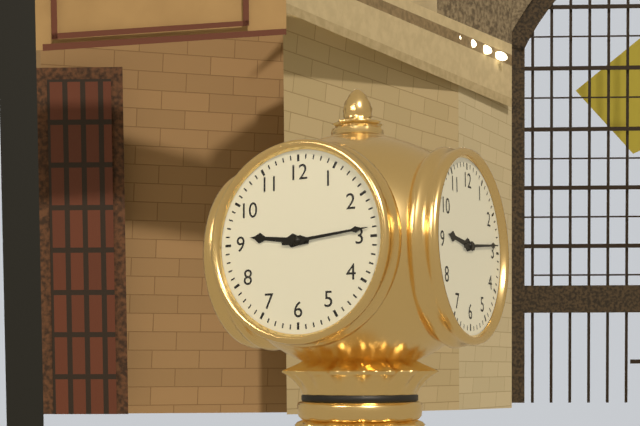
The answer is 9:14
